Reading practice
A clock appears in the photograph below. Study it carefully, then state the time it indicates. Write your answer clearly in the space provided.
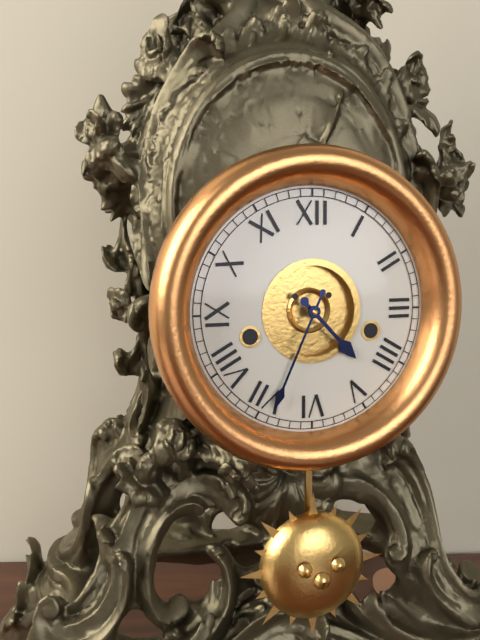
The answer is 4:34
